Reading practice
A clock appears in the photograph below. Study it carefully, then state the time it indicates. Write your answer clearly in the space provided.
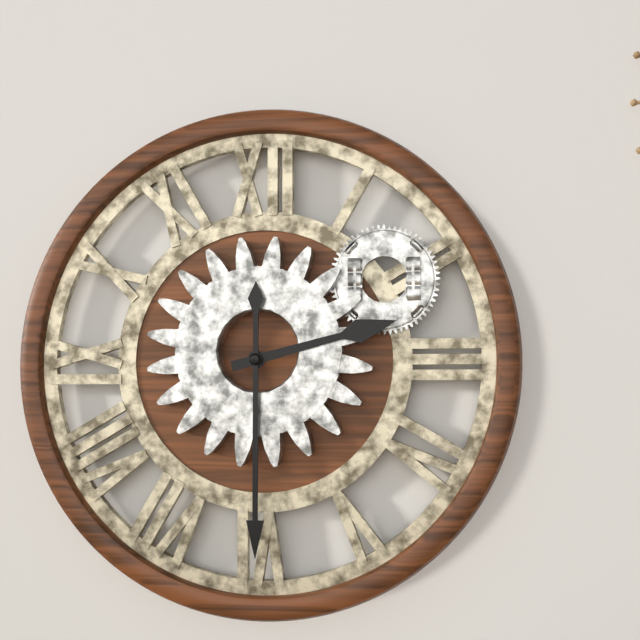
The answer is 2:30
